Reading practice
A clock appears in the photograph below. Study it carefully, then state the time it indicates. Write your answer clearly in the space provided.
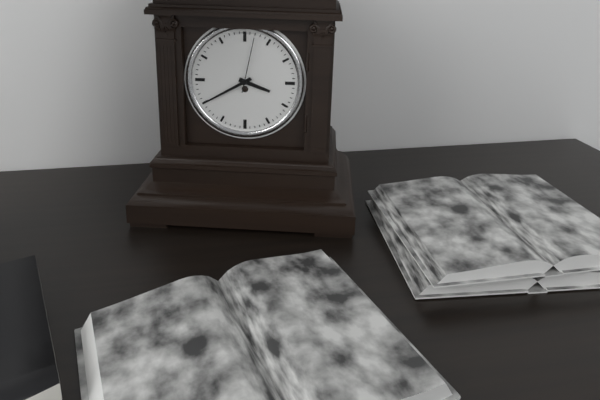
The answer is 3:40:02
